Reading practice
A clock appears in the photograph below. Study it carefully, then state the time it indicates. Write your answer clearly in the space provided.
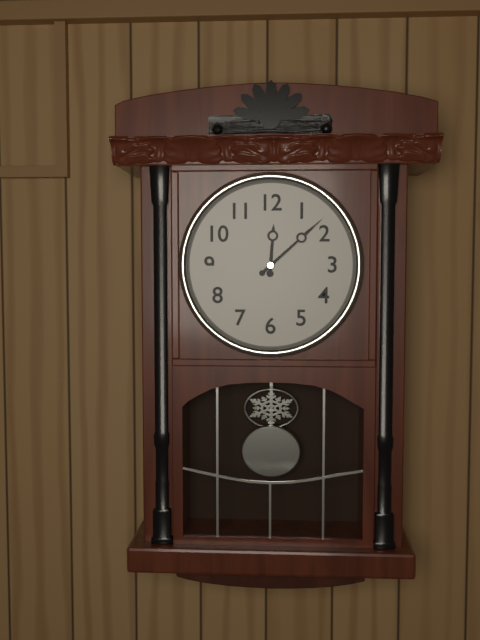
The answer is 12:08
